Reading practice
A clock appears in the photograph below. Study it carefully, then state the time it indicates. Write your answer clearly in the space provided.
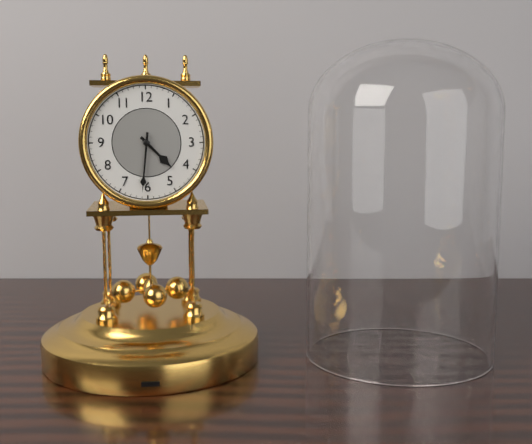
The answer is 4:31
